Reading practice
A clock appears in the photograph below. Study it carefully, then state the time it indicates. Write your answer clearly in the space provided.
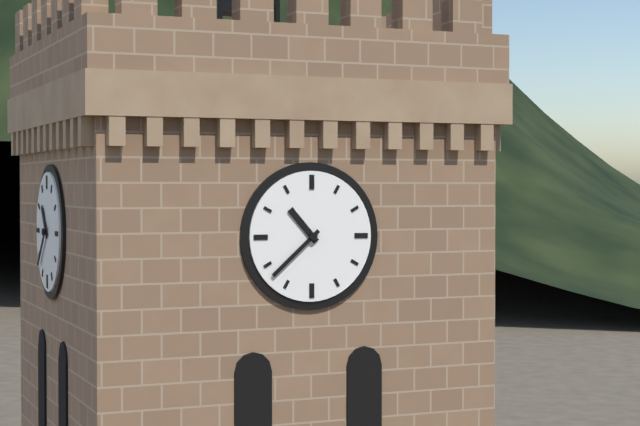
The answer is 10:38
